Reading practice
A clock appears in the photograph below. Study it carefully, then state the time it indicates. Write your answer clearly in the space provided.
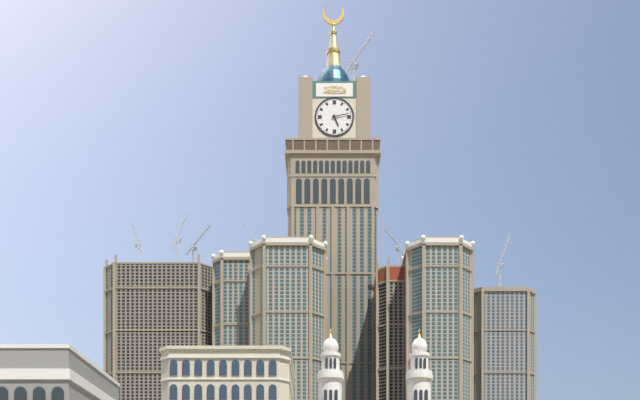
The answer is 5:13
